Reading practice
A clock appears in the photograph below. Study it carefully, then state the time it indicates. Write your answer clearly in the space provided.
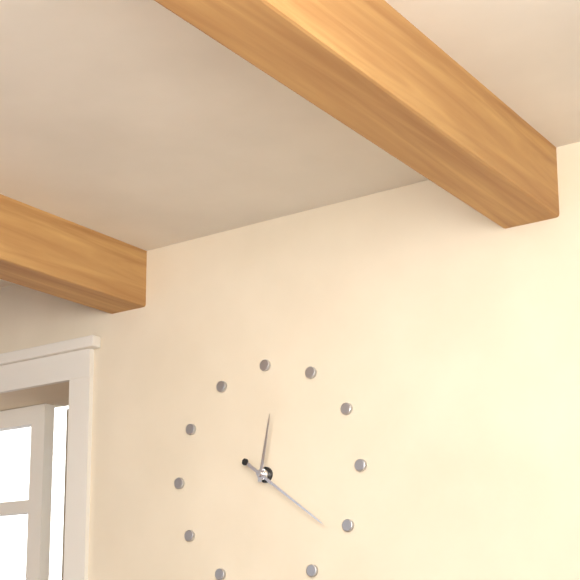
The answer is 12:21
